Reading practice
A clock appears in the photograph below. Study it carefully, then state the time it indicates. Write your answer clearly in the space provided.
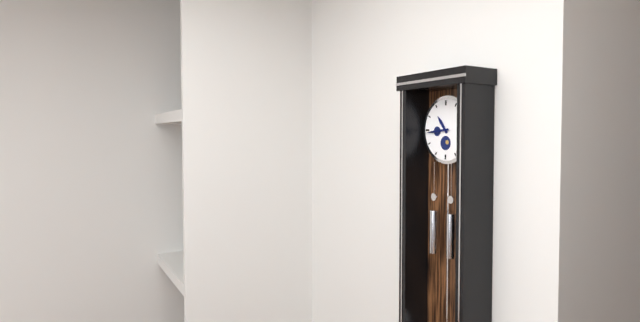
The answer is 10:44
